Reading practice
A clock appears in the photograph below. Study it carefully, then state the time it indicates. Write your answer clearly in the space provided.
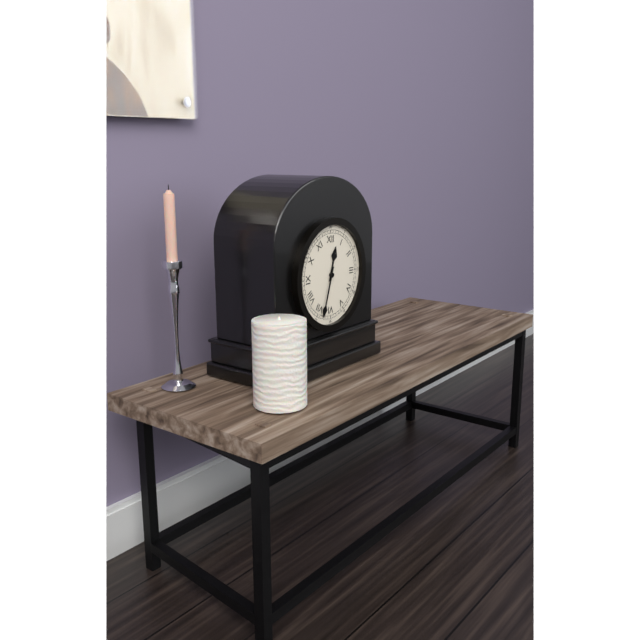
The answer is 12:33
